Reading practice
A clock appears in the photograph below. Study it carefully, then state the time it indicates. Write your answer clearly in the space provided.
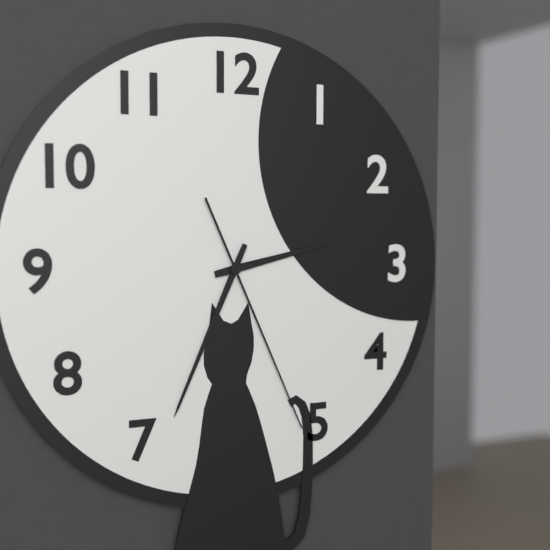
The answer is 2:34:26
